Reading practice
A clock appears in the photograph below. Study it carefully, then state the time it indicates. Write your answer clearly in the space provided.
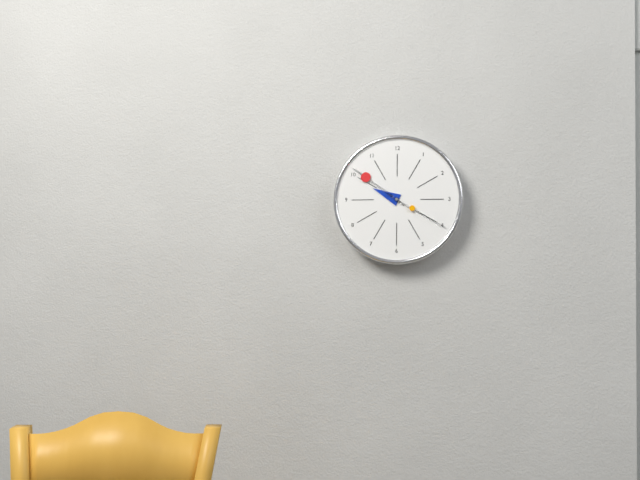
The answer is 9:51:20
